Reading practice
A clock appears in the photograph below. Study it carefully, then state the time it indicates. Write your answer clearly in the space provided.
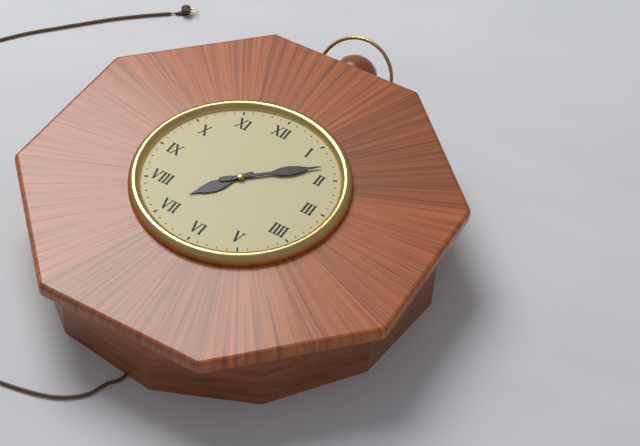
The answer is 7:08
